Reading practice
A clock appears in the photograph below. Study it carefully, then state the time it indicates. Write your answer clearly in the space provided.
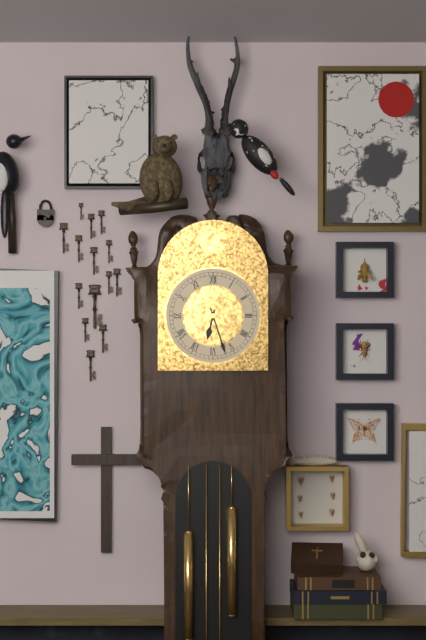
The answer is 6:27
